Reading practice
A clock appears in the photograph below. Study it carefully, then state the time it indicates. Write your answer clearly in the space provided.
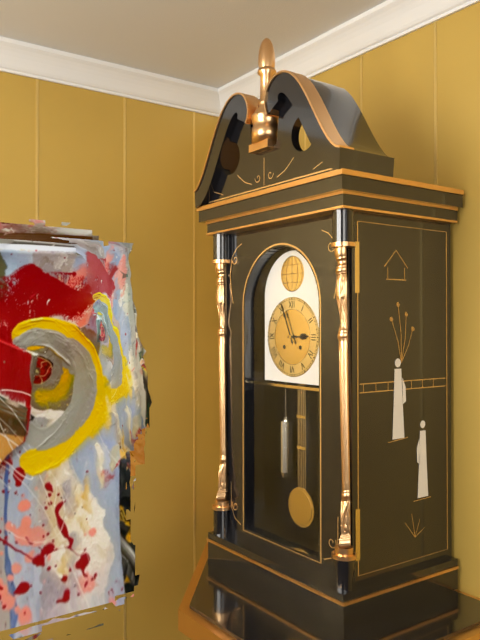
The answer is 2:56
